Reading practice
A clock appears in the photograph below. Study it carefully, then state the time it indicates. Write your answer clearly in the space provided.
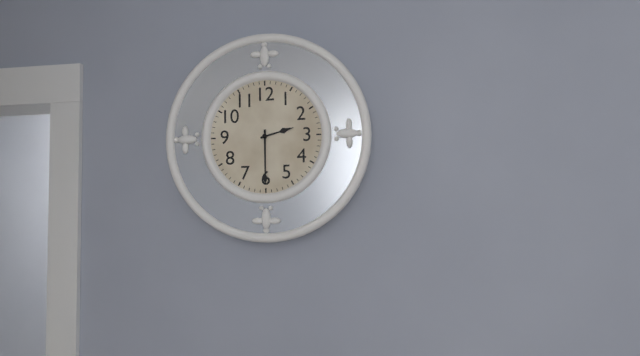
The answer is 2:30
